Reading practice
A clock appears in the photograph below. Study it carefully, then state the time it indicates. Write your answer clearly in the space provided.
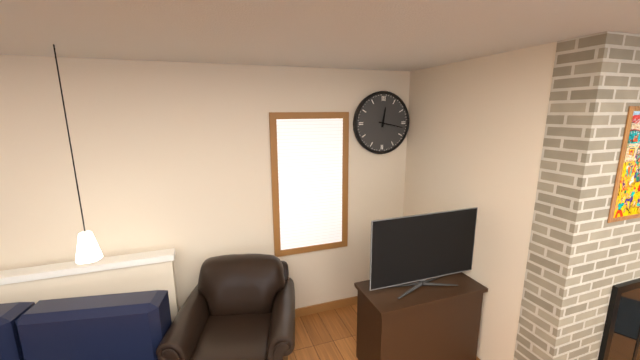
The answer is 12:17
